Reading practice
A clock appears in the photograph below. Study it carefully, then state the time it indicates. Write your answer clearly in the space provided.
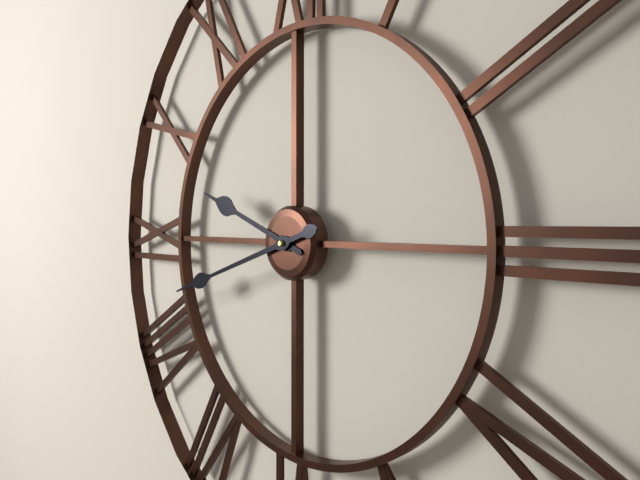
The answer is 9:42
